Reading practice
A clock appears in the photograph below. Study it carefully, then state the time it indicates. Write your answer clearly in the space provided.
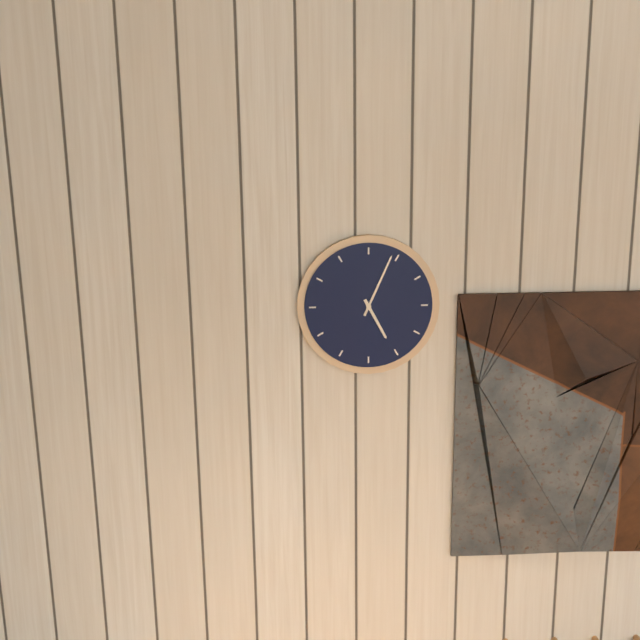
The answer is 5:04
